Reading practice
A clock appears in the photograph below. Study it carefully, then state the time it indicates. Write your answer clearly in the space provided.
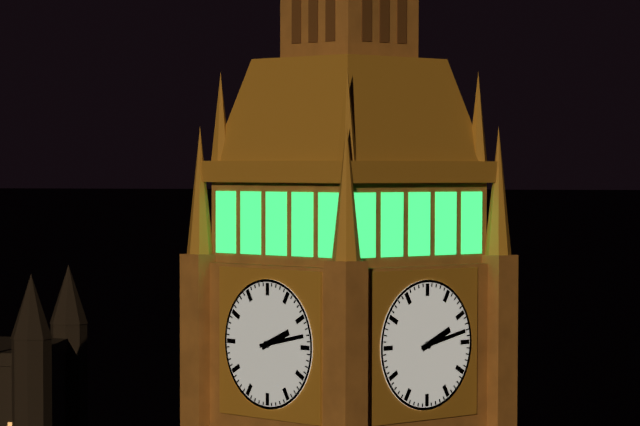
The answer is 2:13
